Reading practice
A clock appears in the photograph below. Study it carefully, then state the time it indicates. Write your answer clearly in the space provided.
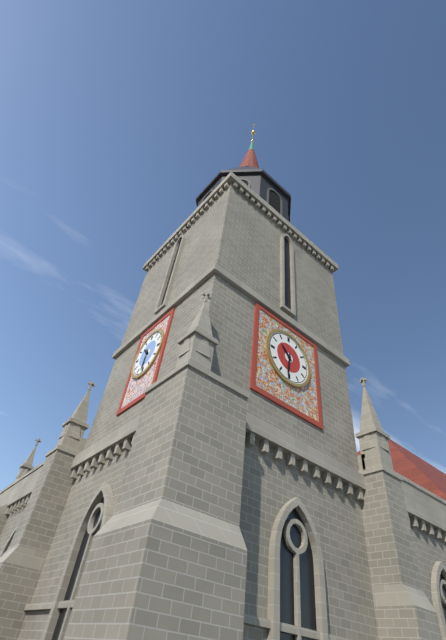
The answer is 10:31
